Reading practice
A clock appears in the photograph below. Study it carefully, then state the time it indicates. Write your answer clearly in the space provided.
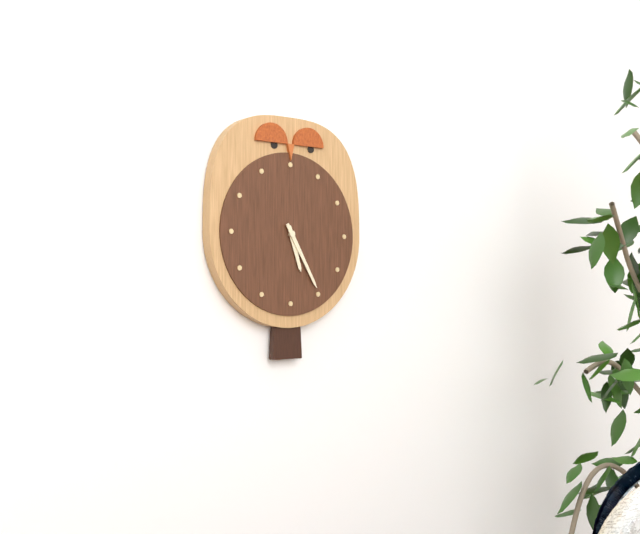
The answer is 5:25
